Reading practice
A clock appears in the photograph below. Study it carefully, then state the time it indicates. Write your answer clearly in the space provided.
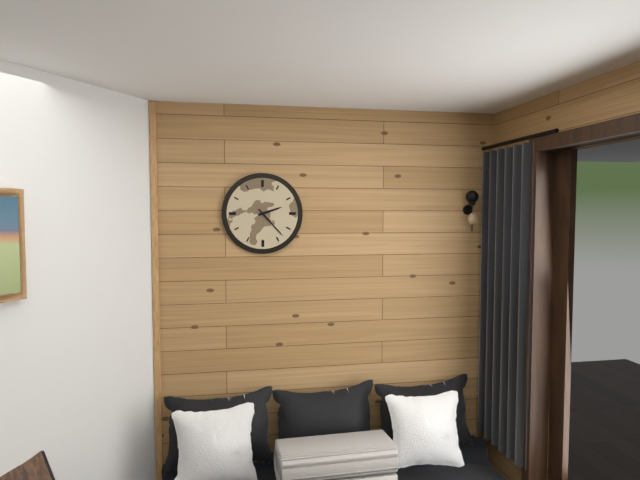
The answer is 2:23
